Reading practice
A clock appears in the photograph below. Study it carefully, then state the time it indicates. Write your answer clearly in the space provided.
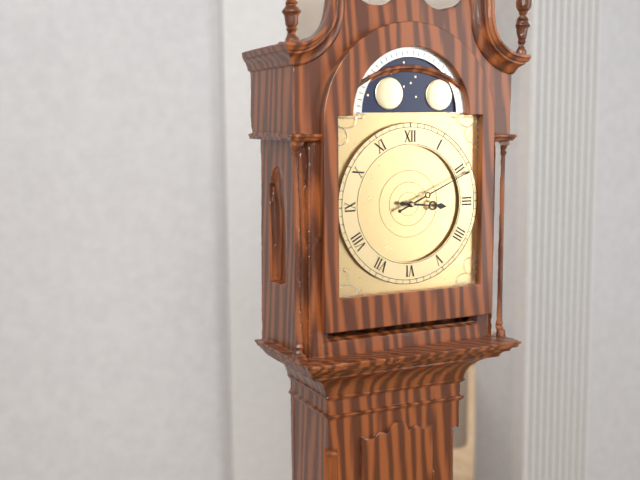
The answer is 3:11
